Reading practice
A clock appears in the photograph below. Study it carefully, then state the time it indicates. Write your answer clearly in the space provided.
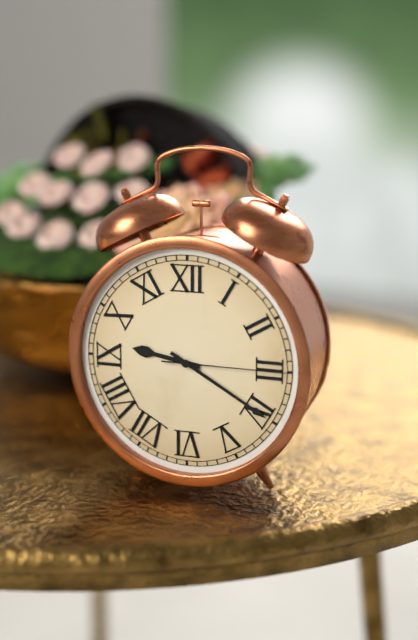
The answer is 9:20:15
